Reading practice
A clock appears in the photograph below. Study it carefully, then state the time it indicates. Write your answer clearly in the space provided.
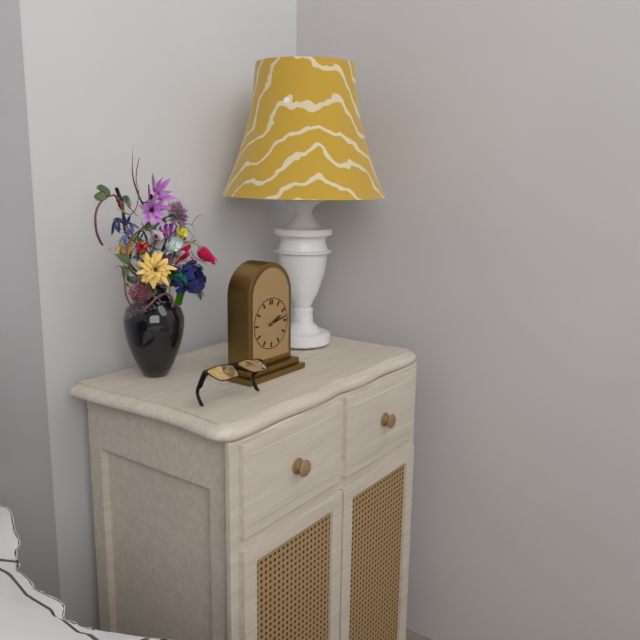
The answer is 2:13
